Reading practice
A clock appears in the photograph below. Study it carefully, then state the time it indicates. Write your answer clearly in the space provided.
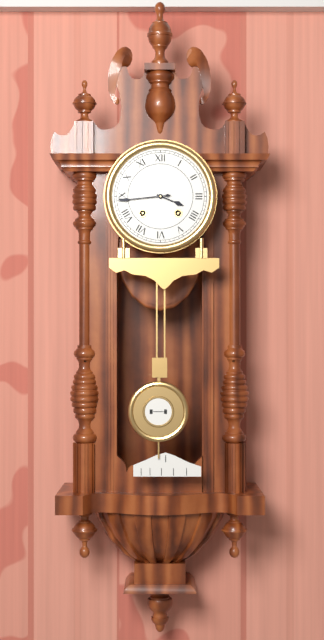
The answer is 3:44
